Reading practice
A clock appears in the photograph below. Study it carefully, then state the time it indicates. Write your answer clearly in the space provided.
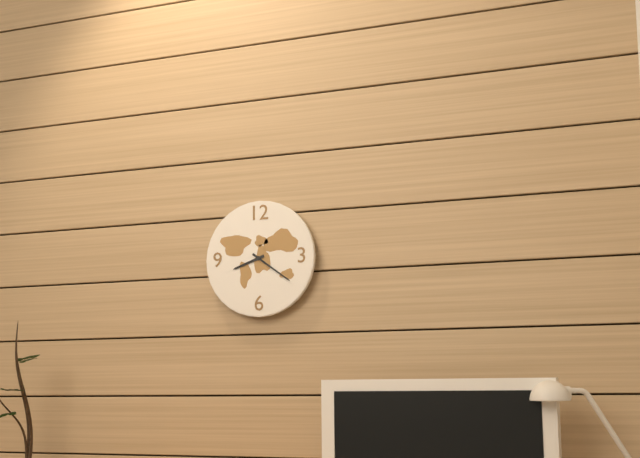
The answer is 8:21
